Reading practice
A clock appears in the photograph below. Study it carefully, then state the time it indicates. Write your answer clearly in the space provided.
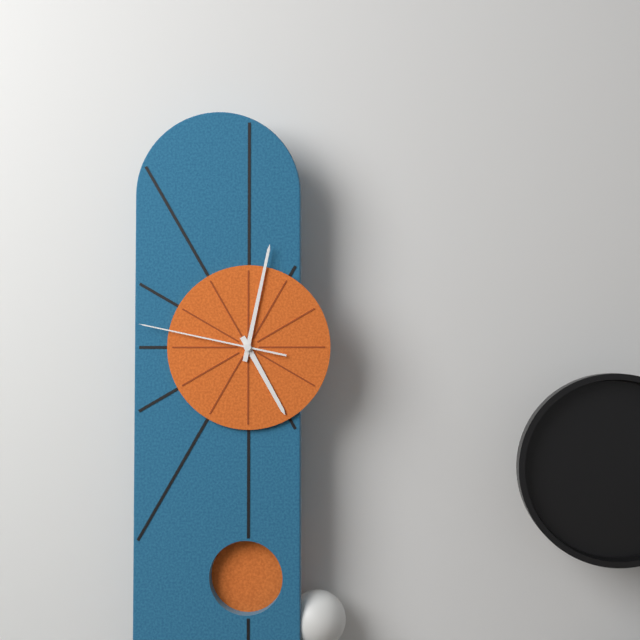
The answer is 5:02:47
